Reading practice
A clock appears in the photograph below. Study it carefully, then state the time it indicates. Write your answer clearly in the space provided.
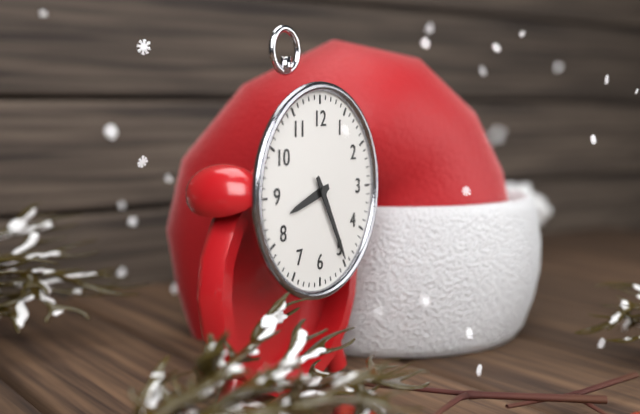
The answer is 8:25
